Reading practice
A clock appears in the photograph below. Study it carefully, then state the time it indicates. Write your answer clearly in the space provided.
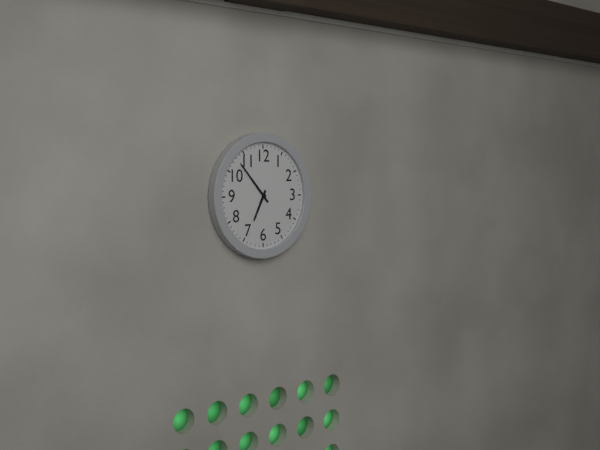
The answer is 6:53
